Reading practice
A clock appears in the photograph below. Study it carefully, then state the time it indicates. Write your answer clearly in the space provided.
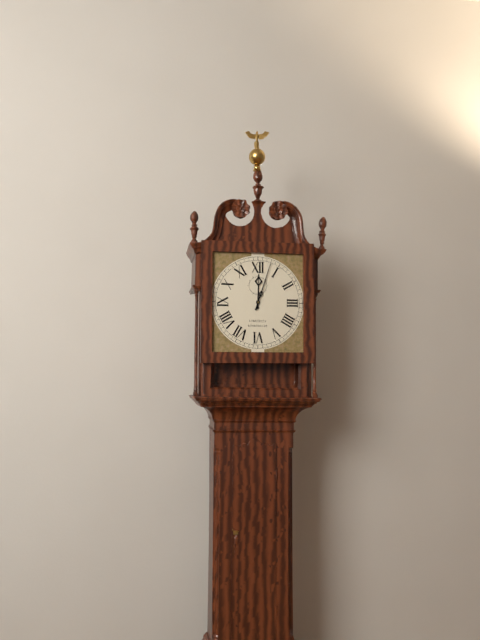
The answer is 12:03
